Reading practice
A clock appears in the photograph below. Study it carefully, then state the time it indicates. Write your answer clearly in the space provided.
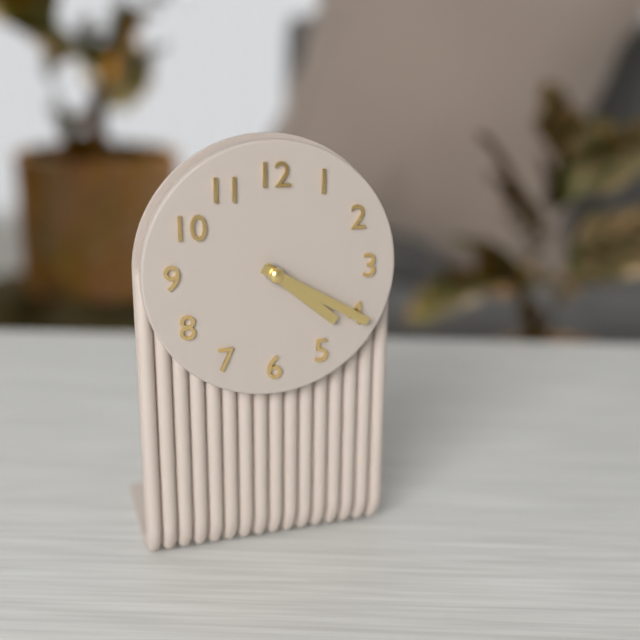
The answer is 4:20
